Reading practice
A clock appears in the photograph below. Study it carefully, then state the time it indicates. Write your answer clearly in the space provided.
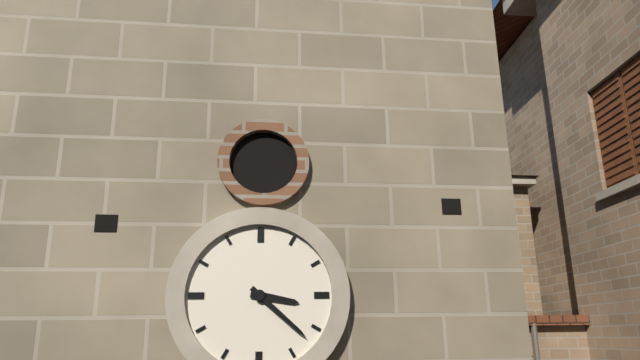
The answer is 3:22
